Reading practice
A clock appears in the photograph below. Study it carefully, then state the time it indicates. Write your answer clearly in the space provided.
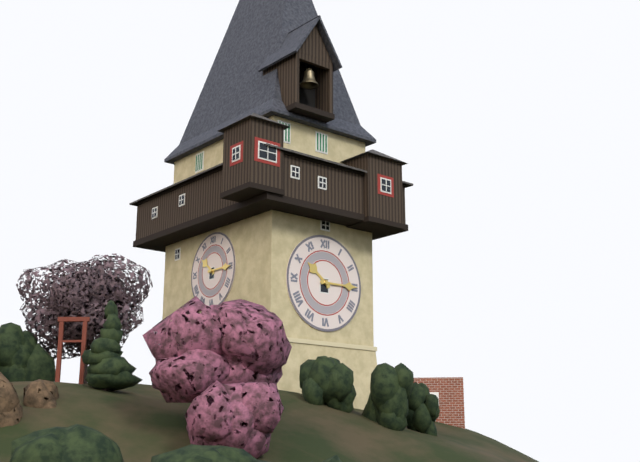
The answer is 10:15
